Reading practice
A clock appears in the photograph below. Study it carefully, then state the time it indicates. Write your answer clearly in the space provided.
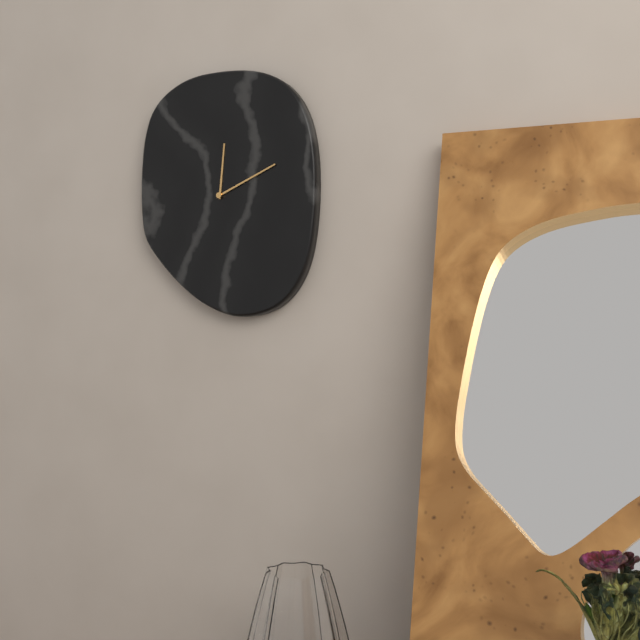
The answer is 12:11
